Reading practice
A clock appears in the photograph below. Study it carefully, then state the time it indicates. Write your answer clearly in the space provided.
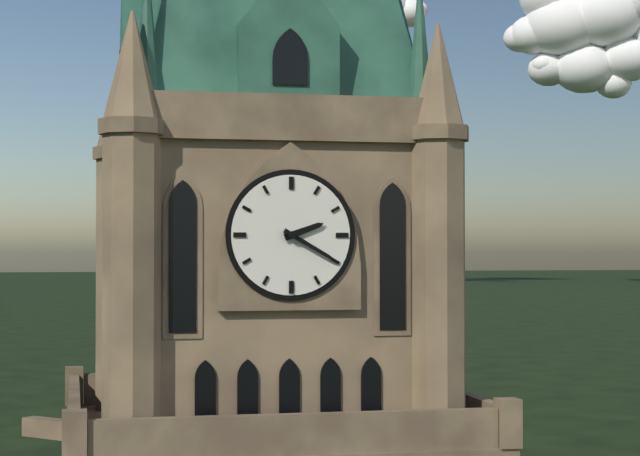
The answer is 2:20
